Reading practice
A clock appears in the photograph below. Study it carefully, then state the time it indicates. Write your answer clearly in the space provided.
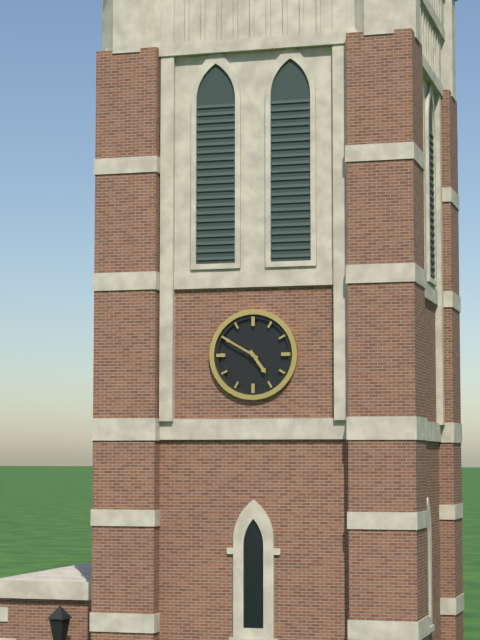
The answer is 4:50
